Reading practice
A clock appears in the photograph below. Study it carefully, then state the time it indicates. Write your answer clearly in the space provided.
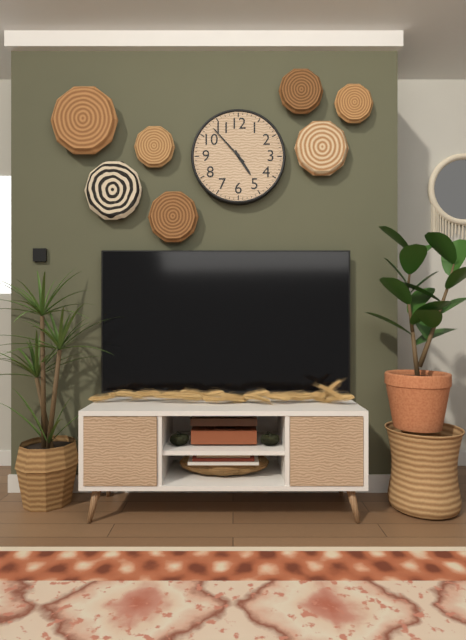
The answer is 4:53
